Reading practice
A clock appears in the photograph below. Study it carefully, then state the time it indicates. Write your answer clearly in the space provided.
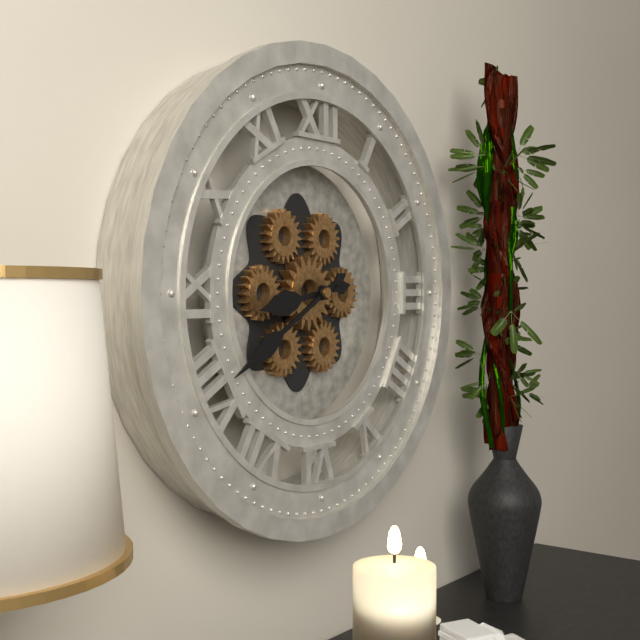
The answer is 8:40
